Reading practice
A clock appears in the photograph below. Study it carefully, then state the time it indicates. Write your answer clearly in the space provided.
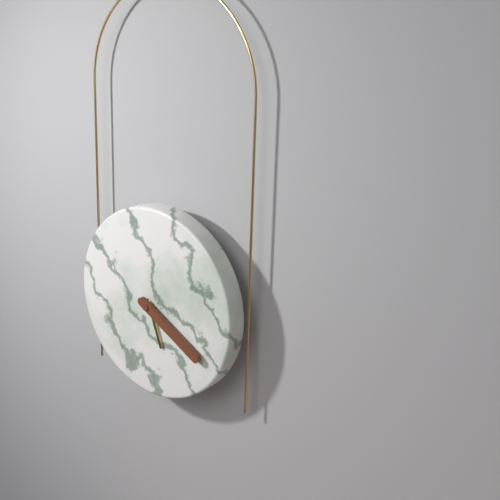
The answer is 5:20
